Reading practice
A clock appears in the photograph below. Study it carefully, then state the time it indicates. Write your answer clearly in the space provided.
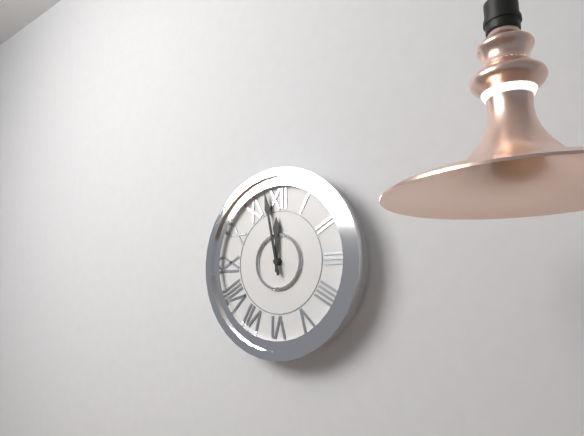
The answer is 11:58
